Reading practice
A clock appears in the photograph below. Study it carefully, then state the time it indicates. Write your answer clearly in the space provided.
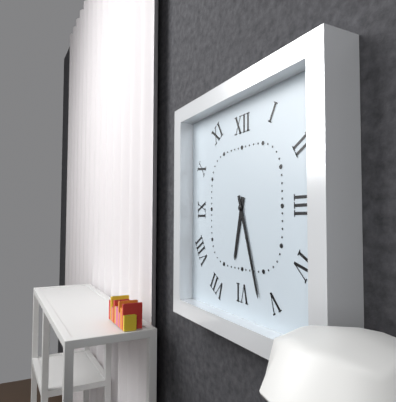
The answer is 6:27
